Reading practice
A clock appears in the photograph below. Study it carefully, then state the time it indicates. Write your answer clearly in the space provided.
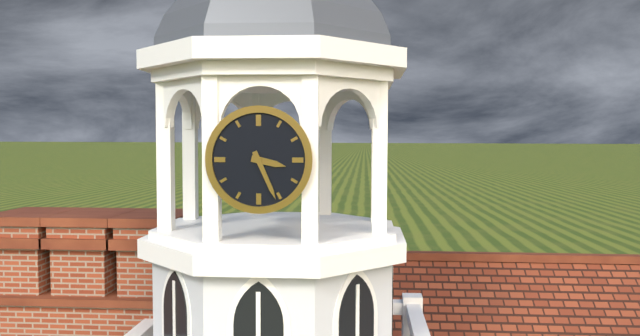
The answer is 3:26
